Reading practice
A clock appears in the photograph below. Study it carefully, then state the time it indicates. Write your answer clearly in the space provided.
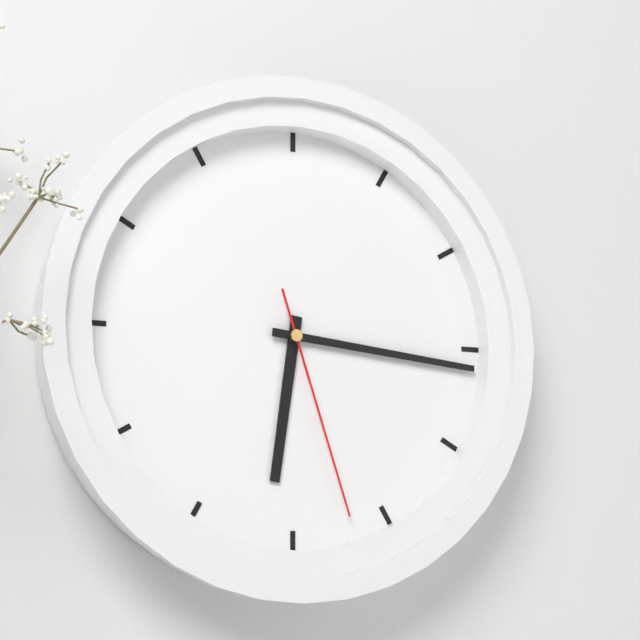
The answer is 6:16:27
